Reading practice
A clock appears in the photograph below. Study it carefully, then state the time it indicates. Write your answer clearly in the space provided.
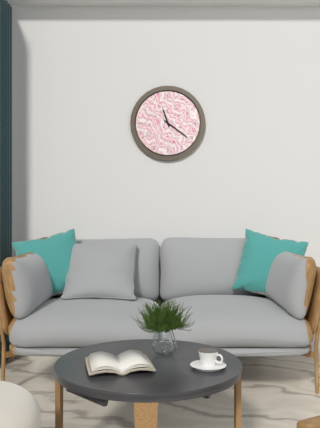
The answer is 11:21
